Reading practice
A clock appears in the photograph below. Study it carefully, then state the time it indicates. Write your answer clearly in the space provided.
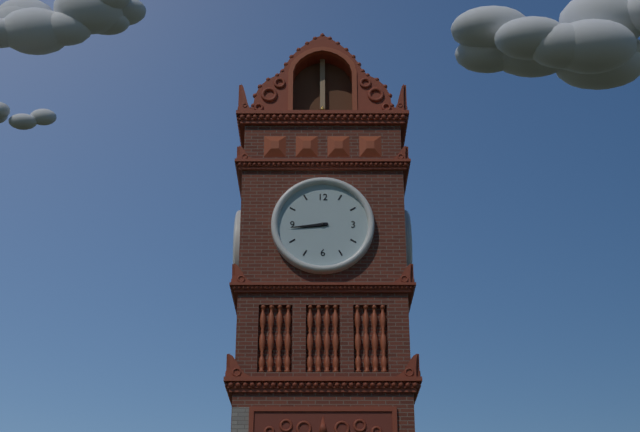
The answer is 8:44
